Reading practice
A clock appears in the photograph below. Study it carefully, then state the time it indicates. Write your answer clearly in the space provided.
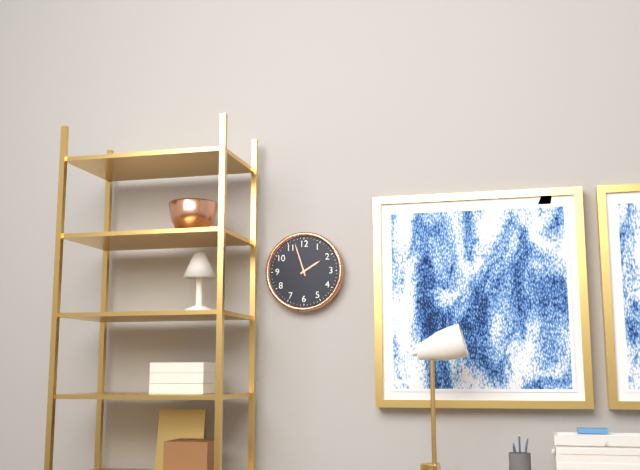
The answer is 1:57
